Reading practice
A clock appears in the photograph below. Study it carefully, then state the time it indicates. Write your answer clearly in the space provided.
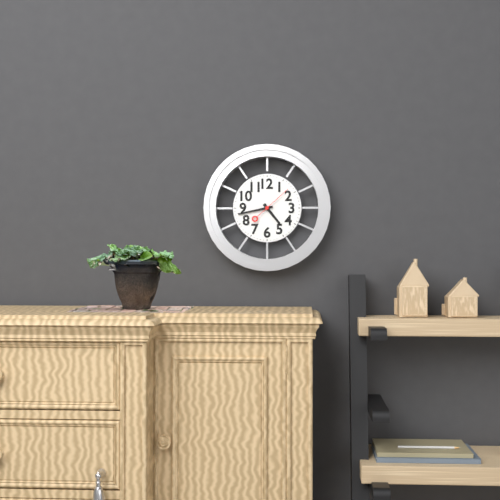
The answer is 4:43
